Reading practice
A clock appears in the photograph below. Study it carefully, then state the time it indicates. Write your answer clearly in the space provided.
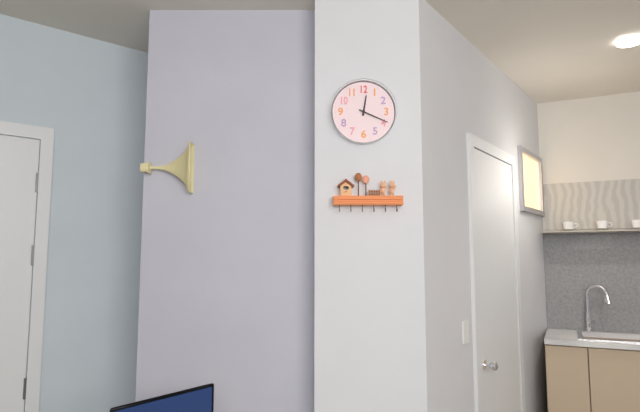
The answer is 12:19
